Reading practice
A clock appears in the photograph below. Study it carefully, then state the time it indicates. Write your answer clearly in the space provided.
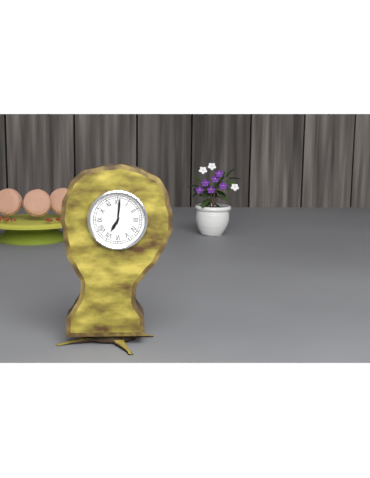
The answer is 7:01
